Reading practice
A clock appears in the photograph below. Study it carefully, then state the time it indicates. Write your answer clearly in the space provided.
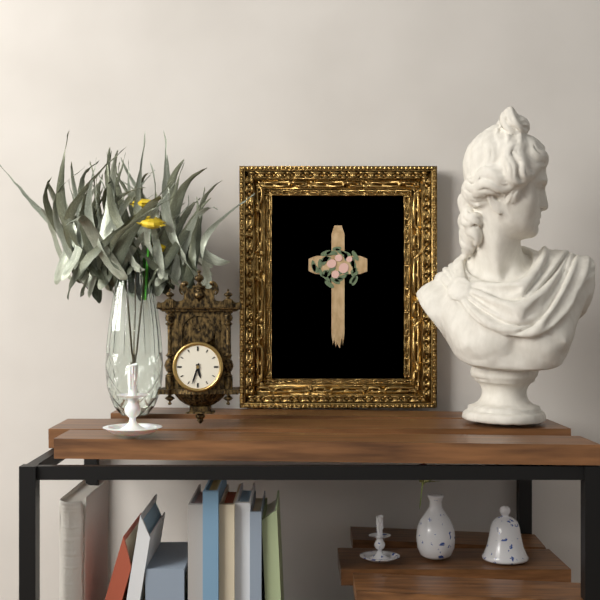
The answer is 5:33
